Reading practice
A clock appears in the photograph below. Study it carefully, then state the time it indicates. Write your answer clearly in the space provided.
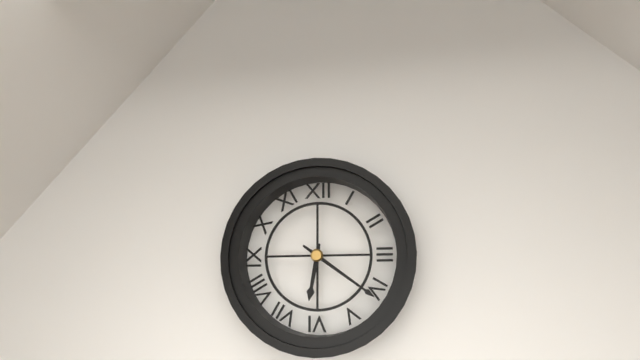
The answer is 6:21
